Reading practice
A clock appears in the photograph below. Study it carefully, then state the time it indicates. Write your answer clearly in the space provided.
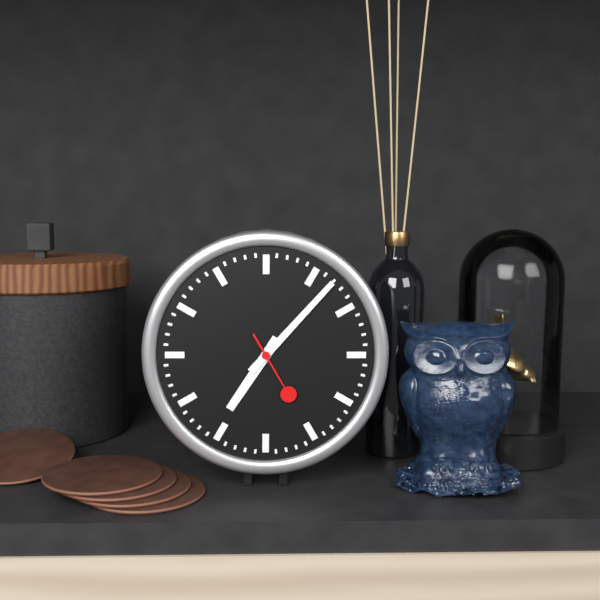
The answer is 7:07:25
